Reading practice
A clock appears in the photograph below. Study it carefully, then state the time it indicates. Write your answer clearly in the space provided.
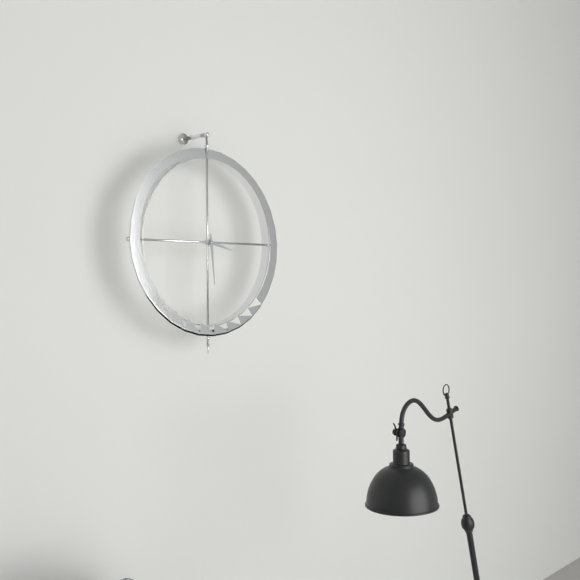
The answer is 3:29
